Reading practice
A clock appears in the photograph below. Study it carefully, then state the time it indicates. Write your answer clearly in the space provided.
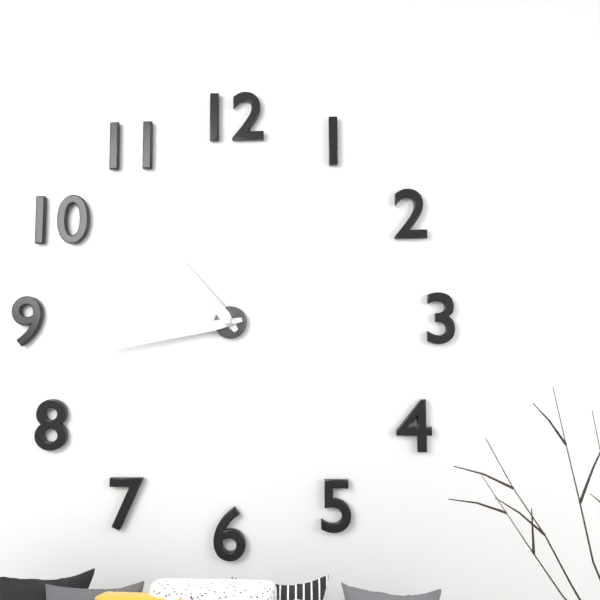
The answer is 10:43
